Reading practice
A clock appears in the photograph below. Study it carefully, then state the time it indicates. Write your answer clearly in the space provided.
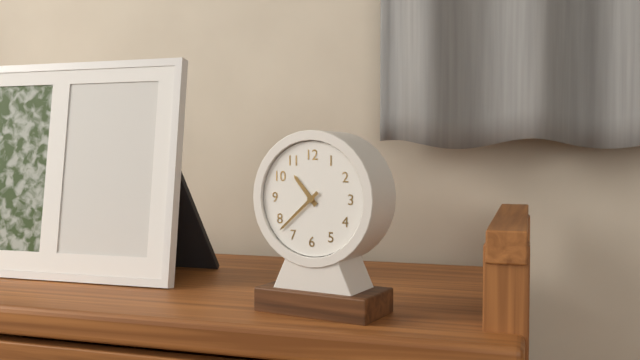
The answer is 10:38
